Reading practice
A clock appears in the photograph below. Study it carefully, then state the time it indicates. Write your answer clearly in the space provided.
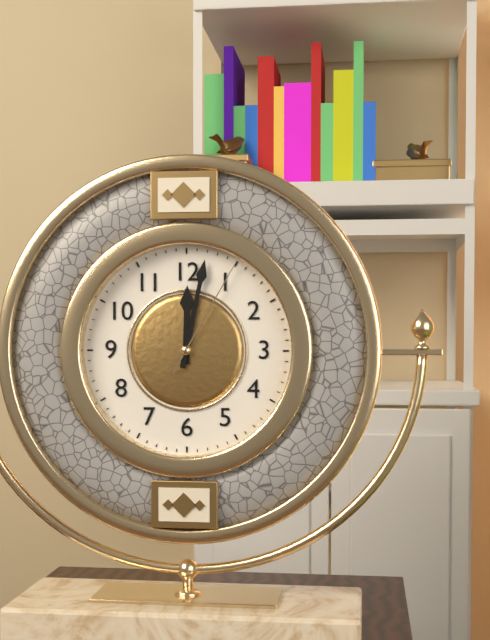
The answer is 12:02:05
